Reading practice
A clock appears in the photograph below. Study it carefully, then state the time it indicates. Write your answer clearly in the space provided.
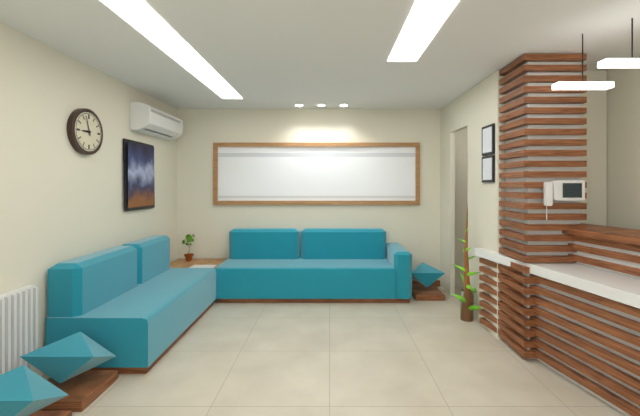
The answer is 8:57
